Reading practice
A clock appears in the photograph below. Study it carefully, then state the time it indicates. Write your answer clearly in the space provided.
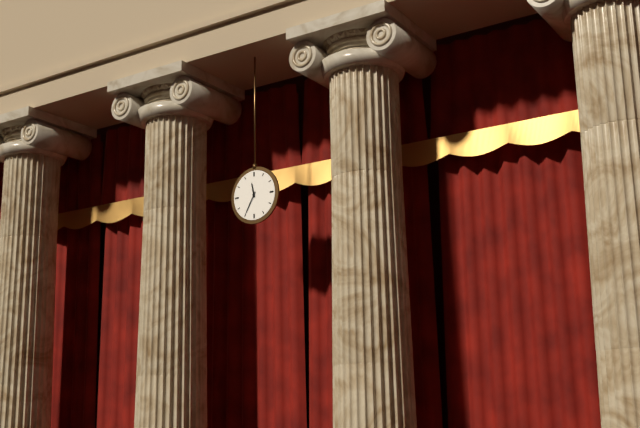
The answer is 11:35
